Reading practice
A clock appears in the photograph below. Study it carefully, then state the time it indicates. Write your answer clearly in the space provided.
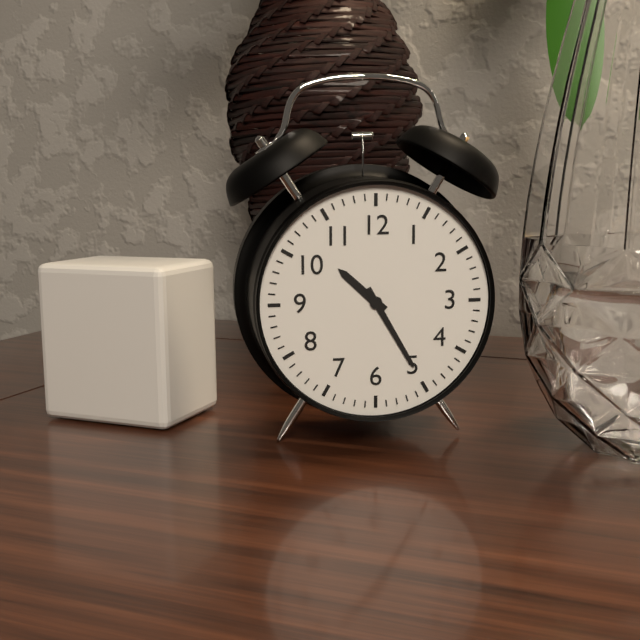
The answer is 10:25
